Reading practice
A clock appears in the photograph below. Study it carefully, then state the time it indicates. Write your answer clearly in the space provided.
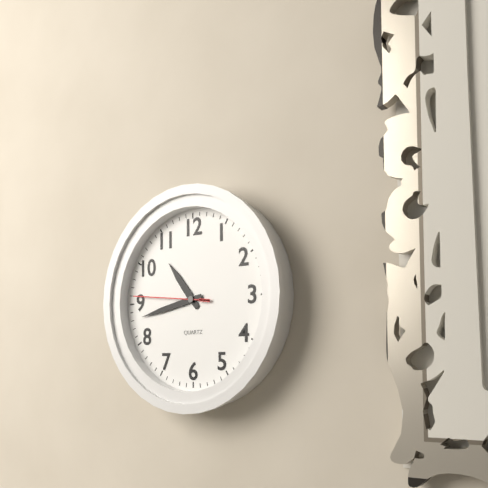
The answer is 10:43:46
